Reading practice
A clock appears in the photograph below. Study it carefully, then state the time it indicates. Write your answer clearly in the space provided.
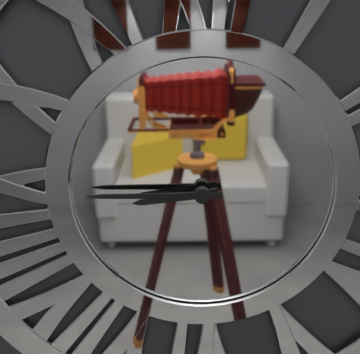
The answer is 8:45
